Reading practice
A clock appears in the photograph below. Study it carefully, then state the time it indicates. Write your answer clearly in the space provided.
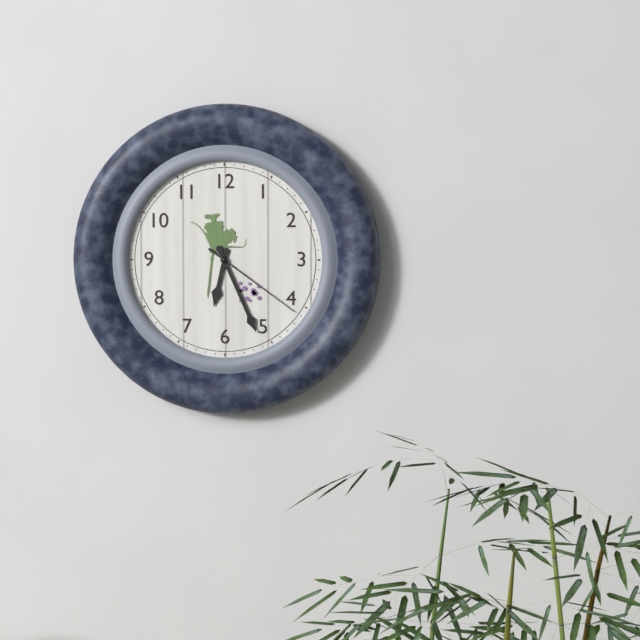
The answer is 6:26:21
